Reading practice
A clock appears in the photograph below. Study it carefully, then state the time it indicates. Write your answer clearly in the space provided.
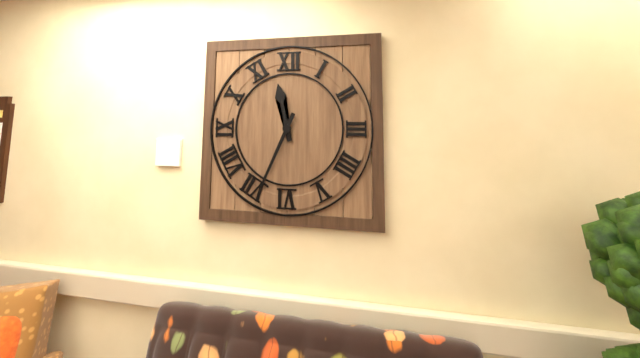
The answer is 11:34
